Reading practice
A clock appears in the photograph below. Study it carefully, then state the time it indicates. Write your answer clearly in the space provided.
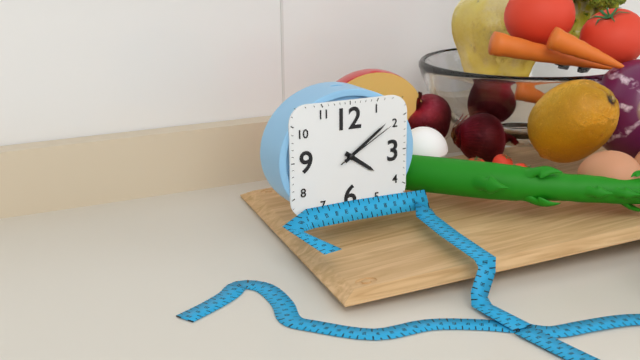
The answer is 4:09:10
